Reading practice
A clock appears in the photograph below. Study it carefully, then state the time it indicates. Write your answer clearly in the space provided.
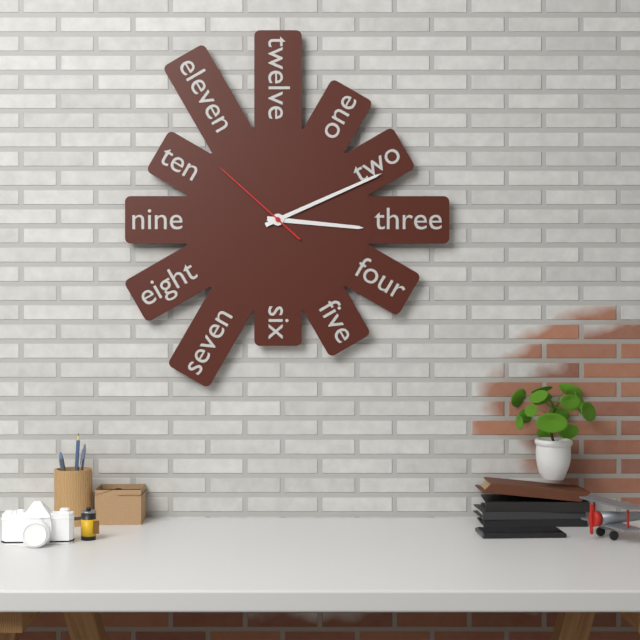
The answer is 3:11:52
